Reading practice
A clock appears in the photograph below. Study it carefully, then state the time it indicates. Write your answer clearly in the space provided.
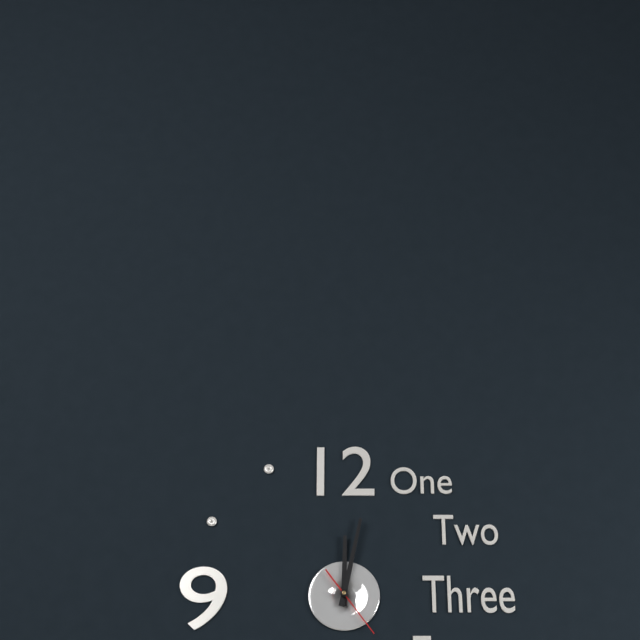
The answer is 12:02:24
